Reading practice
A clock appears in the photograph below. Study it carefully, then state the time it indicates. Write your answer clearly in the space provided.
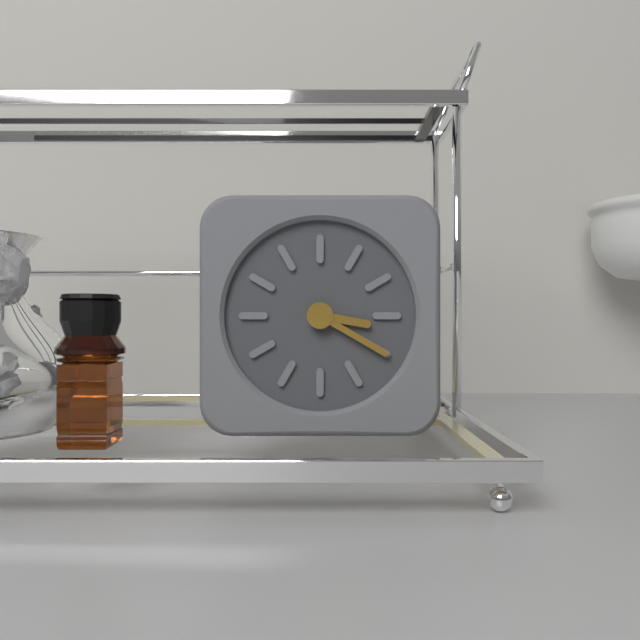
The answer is 3:20
